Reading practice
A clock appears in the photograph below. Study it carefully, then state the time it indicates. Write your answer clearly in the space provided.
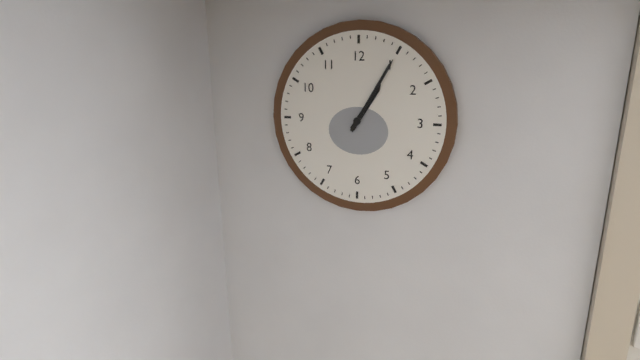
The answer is 1:05
